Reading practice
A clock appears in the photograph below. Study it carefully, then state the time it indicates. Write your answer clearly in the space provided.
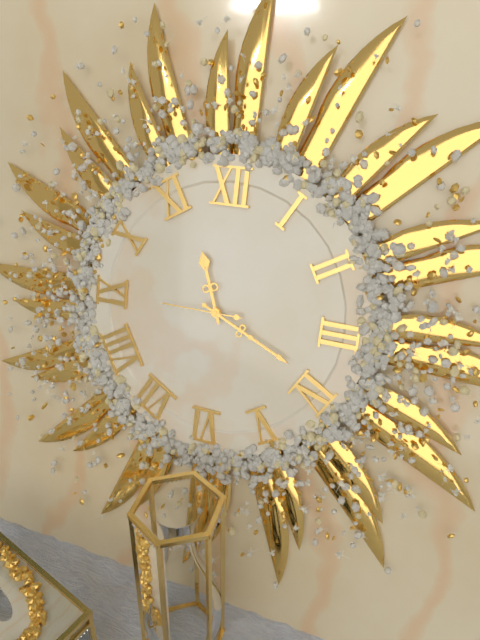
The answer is 11:19:45
